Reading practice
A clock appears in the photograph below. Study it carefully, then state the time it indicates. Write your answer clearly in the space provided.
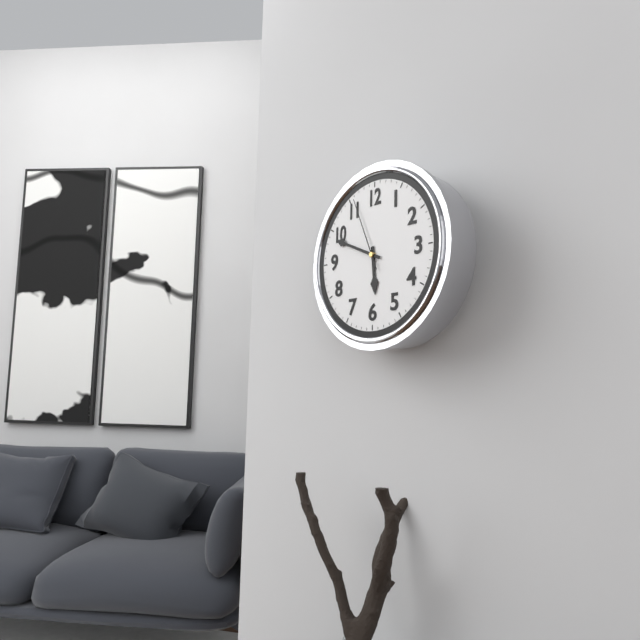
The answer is 5:49:56
